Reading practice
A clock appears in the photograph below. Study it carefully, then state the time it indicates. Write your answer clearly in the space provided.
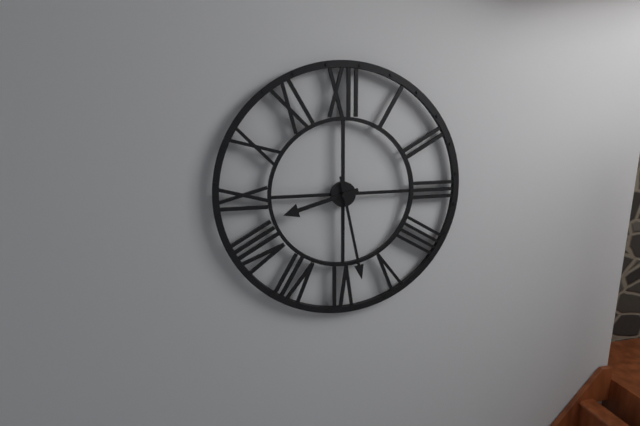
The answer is 8:28
